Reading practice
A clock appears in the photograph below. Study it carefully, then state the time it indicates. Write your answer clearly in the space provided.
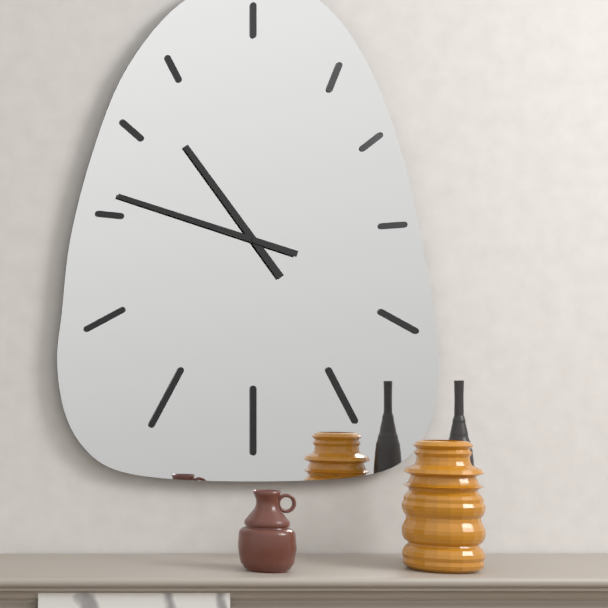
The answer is 10:48
